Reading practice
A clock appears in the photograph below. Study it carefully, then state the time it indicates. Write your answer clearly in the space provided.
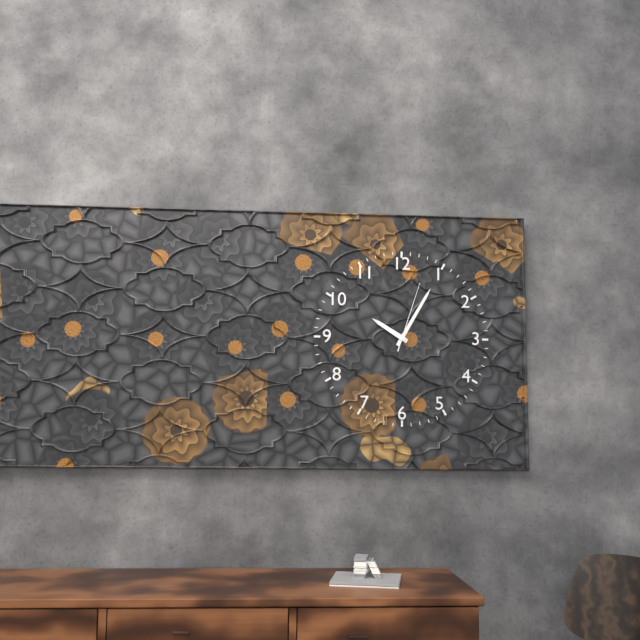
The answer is 10:05:03
